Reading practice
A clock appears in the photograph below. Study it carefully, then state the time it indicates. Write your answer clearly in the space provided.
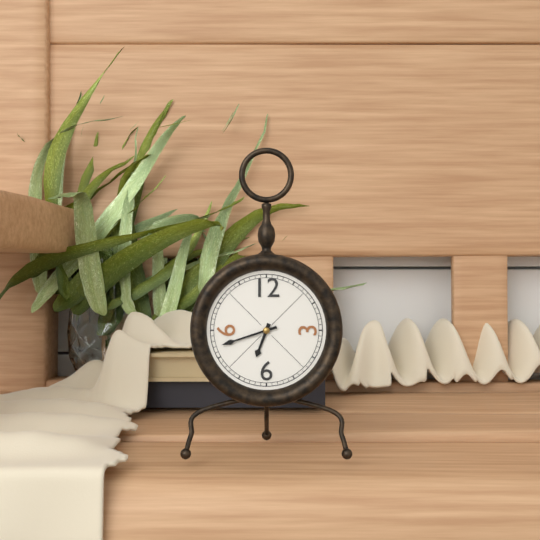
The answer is 6:42
